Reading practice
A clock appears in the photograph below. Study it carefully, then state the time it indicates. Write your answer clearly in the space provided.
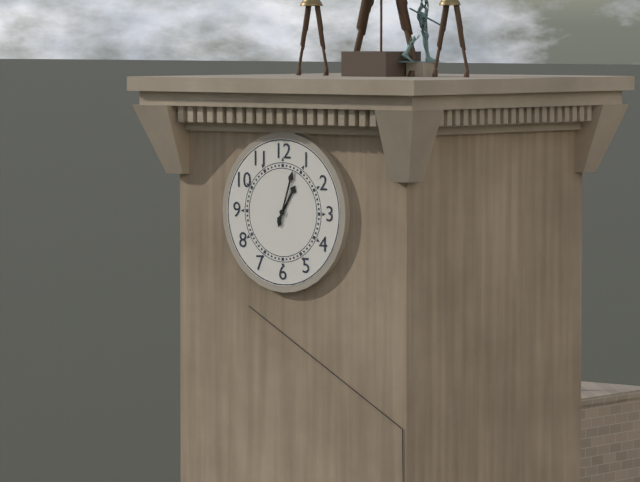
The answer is 1:03
